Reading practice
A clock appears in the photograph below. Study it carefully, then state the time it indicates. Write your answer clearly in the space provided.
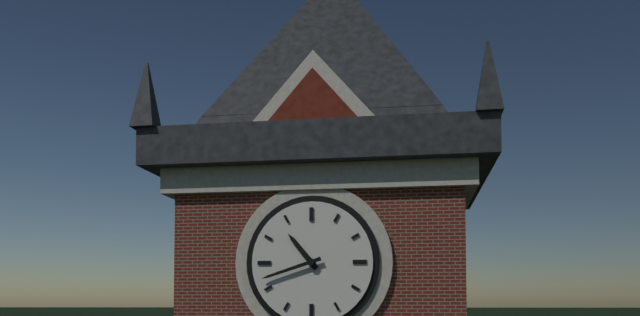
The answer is 10:42
